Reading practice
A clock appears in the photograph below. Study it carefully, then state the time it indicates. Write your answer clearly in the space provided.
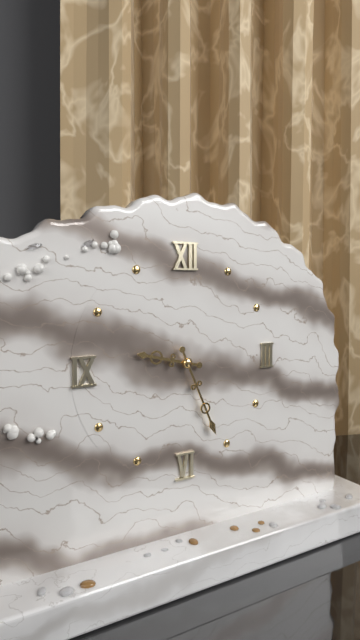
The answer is 9:26
